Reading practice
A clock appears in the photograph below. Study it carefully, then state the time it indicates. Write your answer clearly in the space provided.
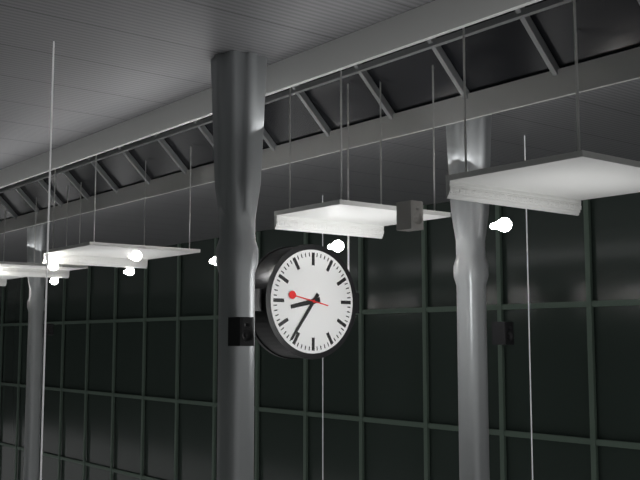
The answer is 8:36
